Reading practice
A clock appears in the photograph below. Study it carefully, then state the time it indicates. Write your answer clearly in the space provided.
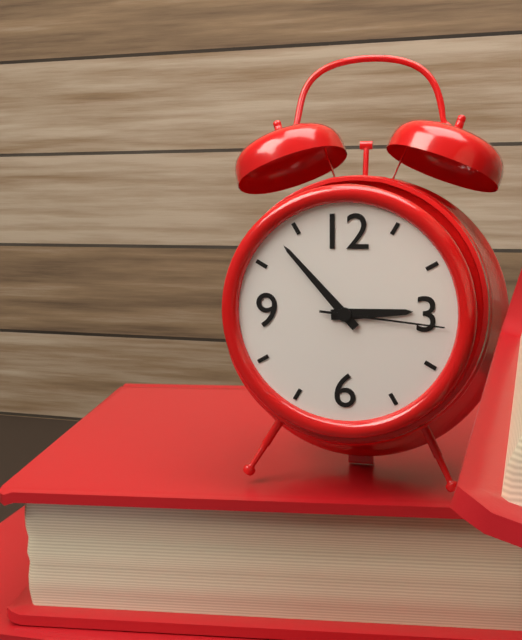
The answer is 2:53:16
